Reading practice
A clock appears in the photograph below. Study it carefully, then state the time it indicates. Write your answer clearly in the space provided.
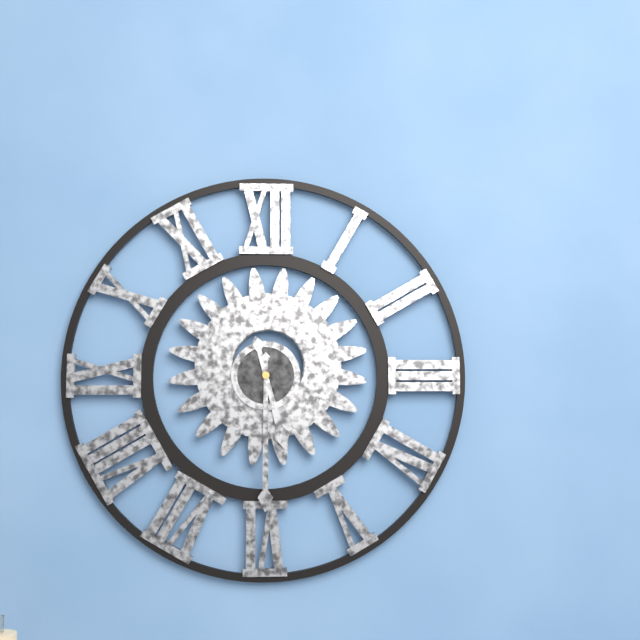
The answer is 5:30
